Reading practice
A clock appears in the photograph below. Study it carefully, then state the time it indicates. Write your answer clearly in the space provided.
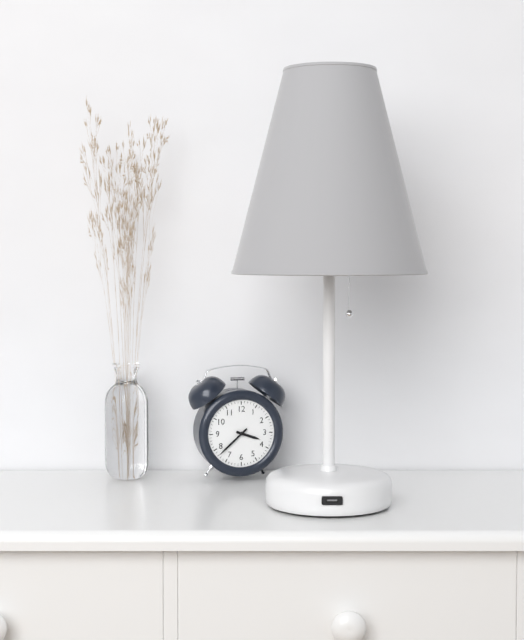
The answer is 3:38
